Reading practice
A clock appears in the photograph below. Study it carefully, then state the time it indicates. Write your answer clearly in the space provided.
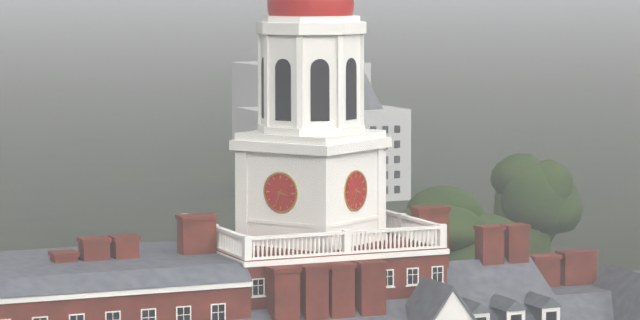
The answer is 3:34
